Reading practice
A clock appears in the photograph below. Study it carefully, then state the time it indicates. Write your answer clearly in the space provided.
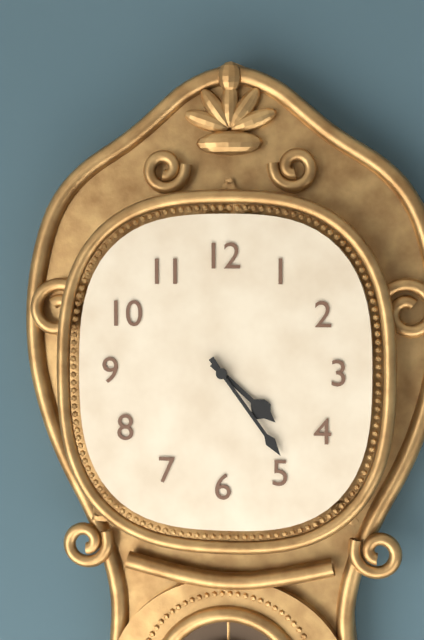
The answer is 4:24
